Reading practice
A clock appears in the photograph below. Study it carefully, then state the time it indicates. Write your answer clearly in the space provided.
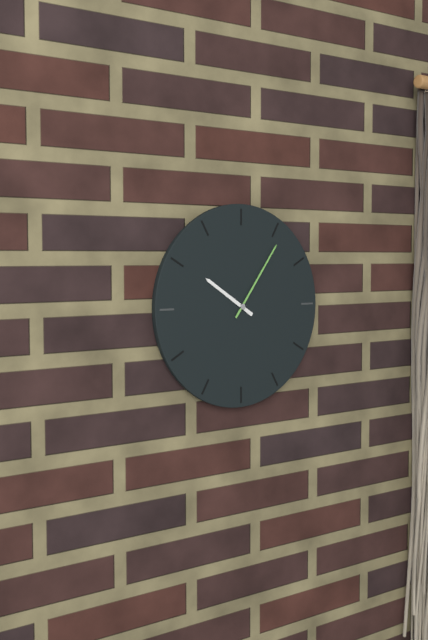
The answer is 10:06
